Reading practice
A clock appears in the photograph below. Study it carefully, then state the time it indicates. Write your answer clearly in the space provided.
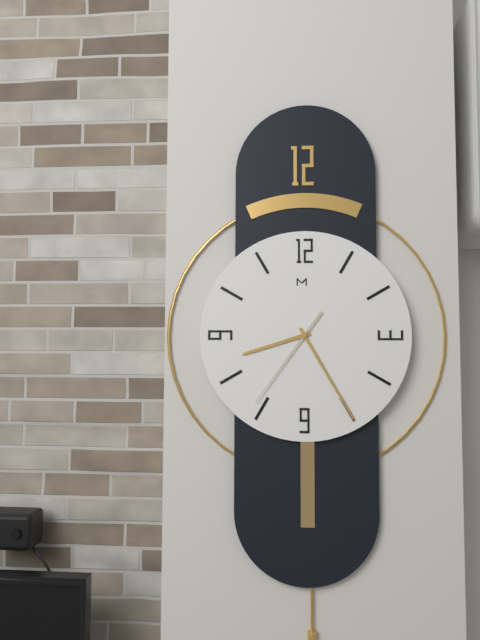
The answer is 8:25:36
